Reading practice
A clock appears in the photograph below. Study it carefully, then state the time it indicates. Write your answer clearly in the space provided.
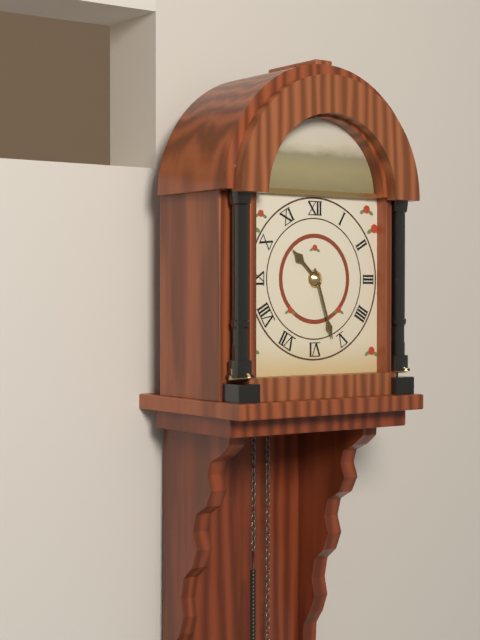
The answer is 10:27
